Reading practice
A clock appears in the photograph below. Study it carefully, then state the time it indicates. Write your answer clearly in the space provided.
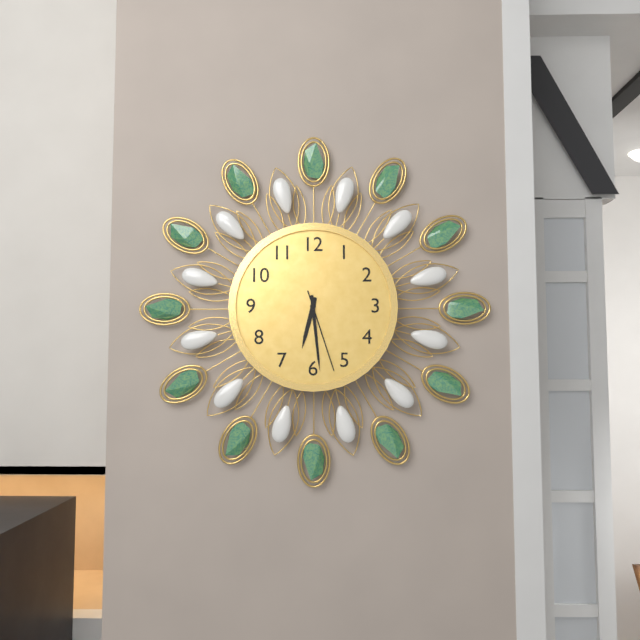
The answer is 6:29:27
